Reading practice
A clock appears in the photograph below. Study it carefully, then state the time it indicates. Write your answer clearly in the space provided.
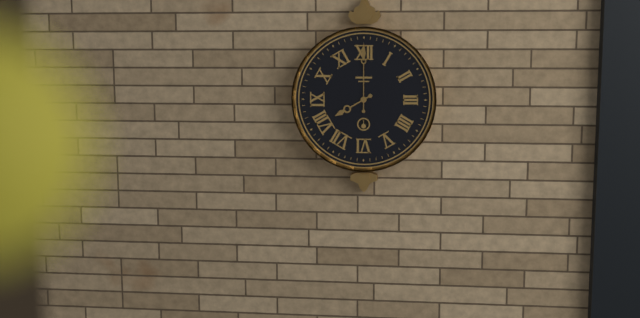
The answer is 8:00
